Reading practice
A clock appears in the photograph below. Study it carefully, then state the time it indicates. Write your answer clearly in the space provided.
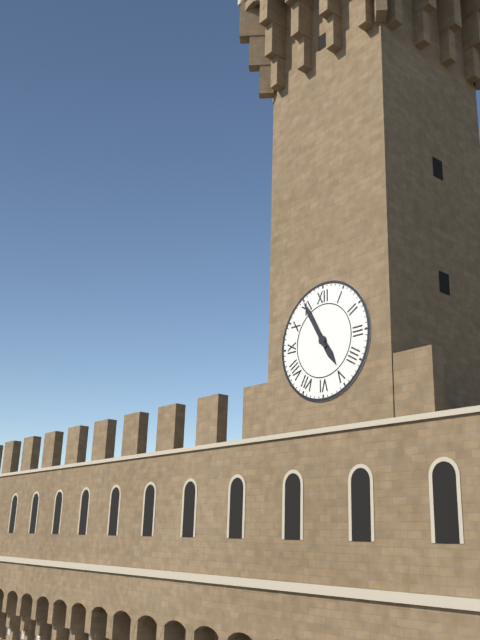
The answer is 4:55
